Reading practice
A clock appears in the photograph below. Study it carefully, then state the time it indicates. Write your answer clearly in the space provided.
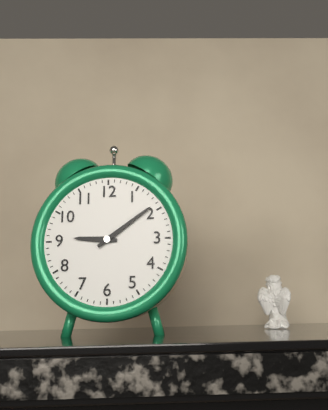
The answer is 9:09
